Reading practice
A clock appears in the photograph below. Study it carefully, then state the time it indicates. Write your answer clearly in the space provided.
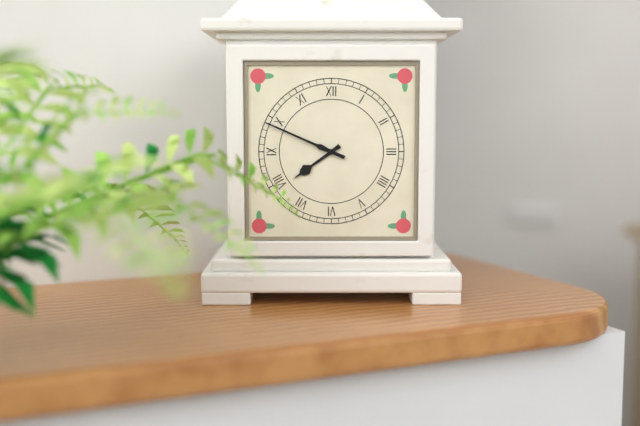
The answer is 7:49
